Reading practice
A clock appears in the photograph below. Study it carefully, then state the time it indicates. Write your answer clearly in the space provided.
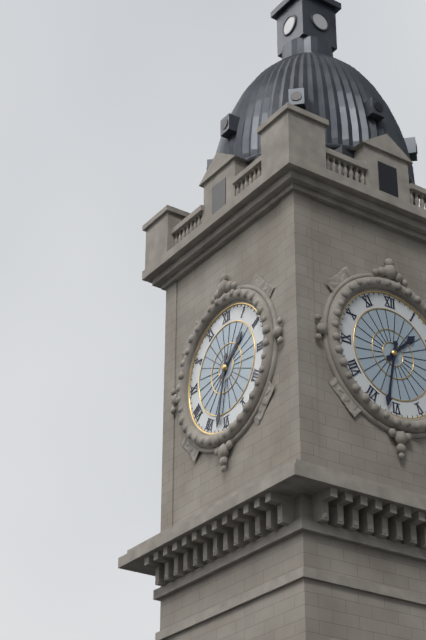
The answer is 1:32
